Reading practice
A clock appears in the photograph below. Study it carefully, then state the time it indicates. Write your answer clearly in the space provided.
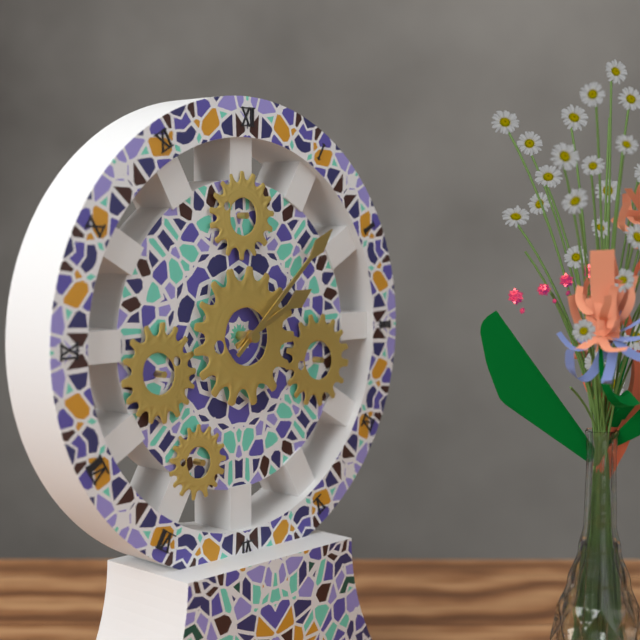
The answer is 2:08
